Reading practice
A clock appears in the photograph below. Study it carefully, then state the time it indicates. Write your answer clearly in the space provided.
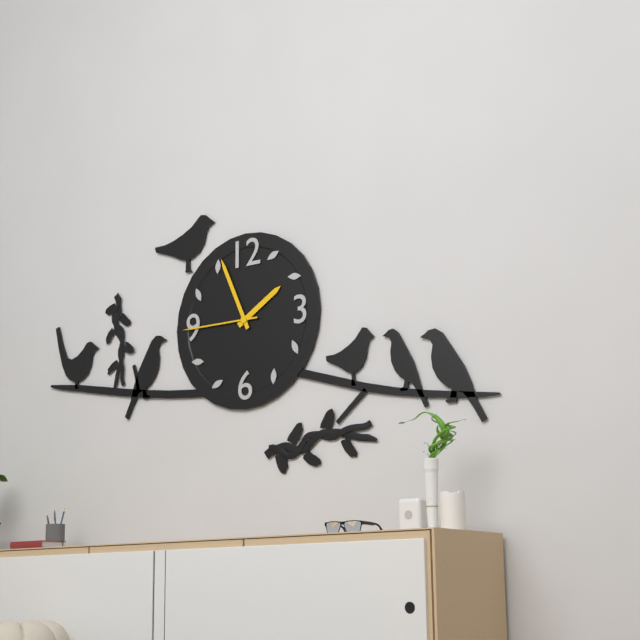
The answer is 1:56:45
